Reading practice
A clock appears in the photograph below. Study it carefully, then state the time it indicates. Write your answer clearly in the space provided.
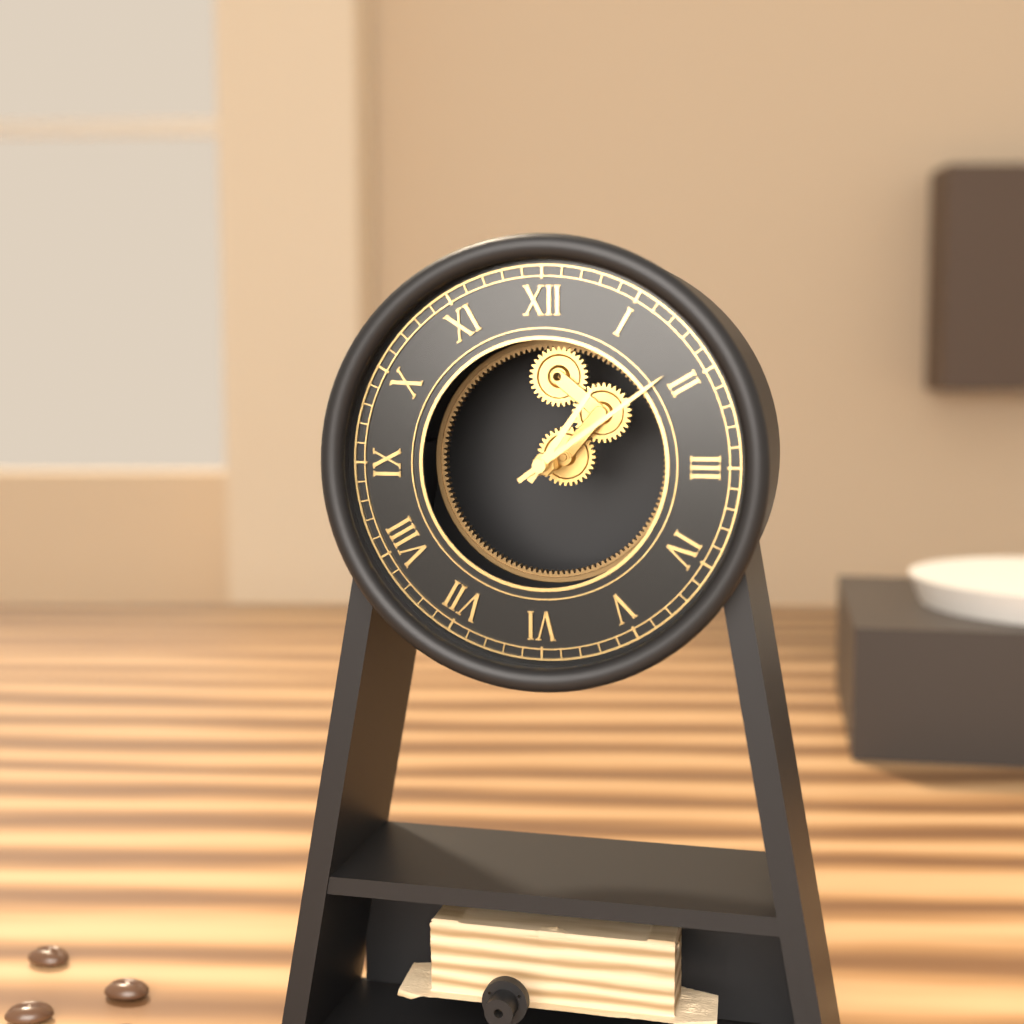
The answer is 1:09
